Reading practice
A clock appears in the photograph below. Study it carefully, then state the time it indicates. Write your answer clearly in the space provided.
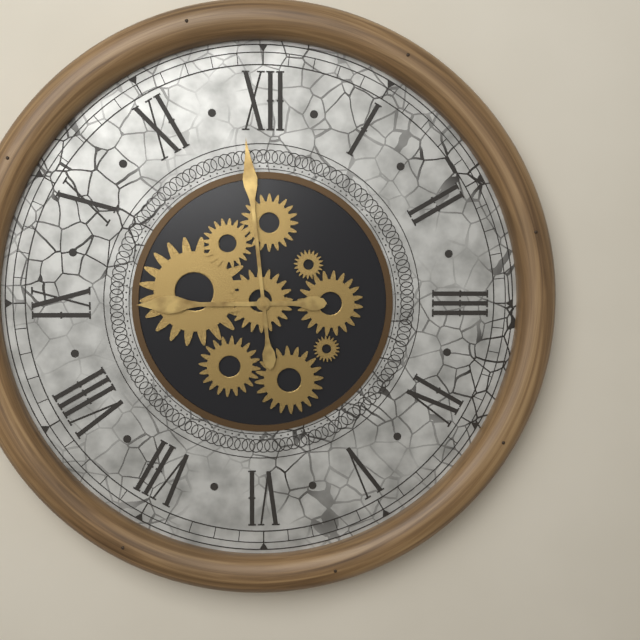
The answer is 8:59
